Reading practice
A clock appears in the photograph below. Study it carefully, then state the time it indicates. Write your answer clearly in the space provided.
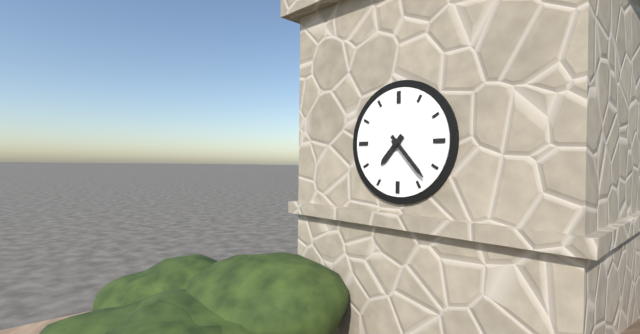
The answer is 7:23
